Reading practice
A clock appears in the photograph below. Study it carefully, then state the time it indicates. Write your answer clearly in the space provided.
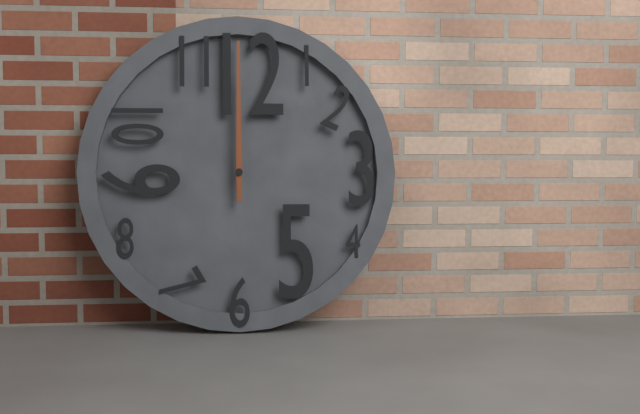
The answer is 12:00
